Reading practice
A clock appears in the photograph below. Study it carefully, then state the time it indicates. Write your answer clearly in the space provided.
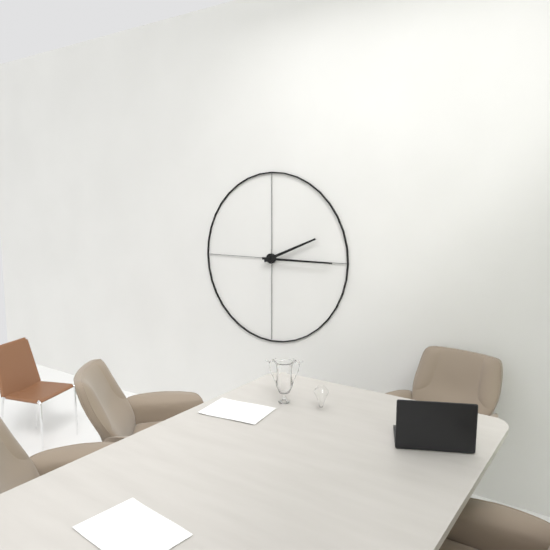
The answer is 2:15
